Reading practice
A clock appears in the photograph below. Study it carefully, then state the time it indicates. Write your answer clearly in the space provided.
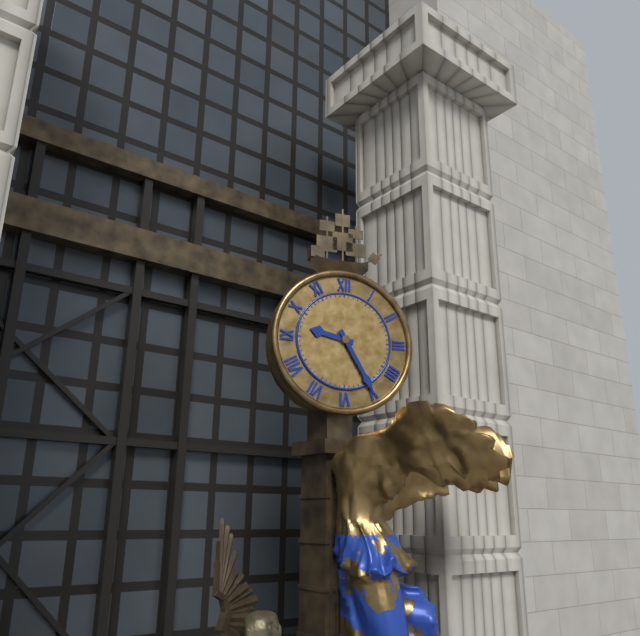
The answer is 9:25
